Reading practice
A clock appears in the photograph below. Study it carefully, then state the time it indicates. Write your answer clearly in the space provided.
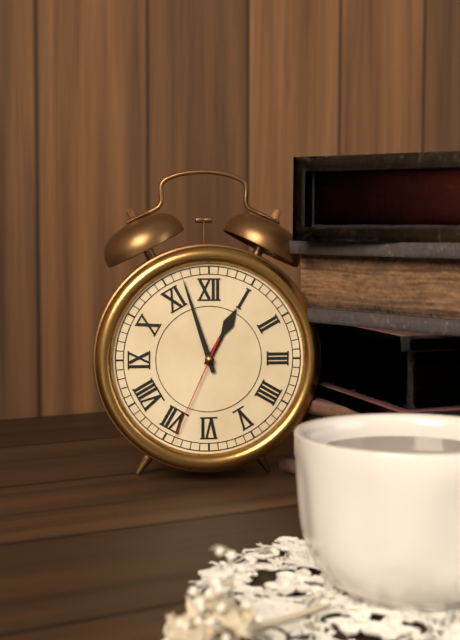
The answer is 12:57:34
